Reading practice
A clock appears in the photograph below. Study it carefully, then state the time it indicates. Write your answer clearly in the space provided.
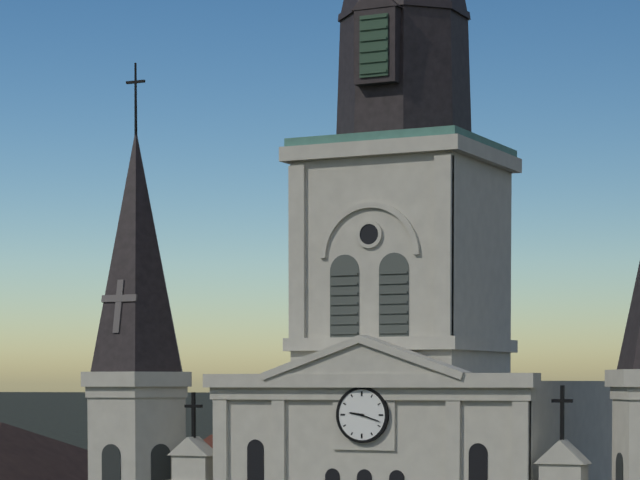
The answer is 9:18
